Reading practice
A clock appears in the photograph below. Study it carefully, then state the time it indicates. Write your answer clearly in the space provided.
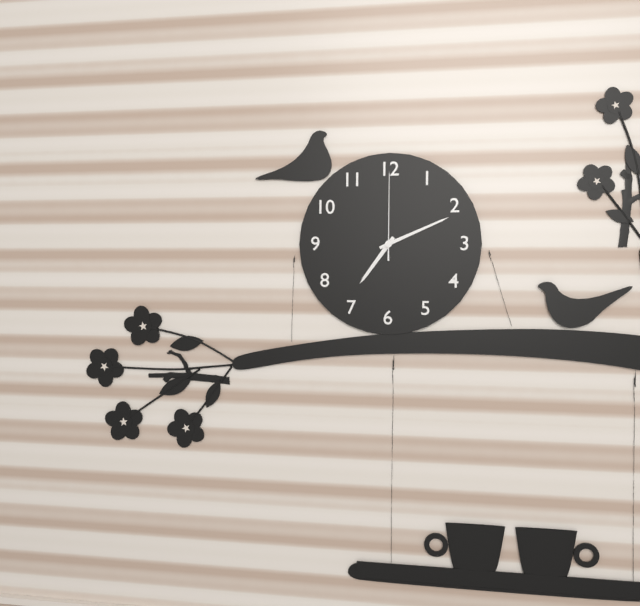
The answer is 7:11:00
